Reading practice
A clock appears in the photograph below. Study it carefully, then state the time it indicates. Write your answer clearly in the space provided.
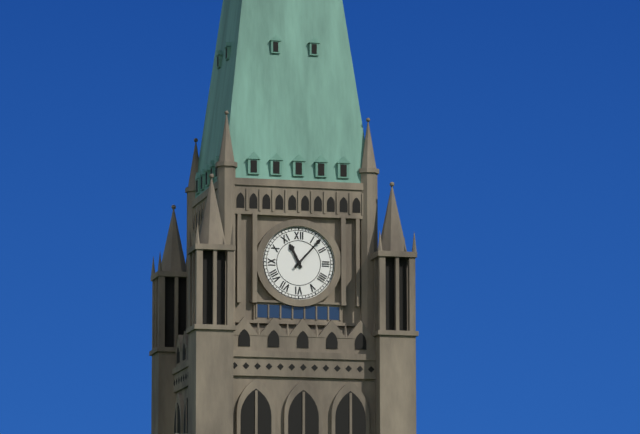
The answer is 11:07
